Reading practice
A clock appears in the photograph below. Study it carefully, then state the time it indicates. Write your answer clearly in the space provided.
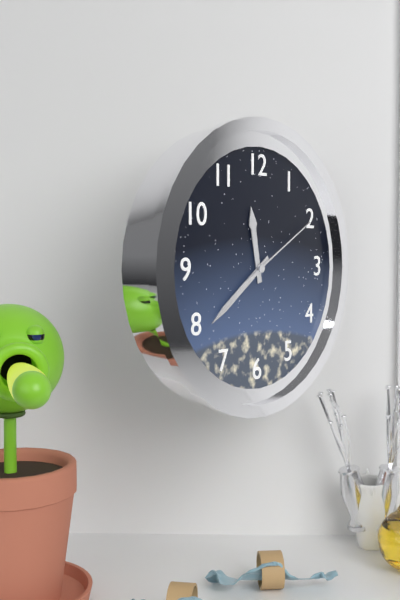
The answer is 11:39:10
